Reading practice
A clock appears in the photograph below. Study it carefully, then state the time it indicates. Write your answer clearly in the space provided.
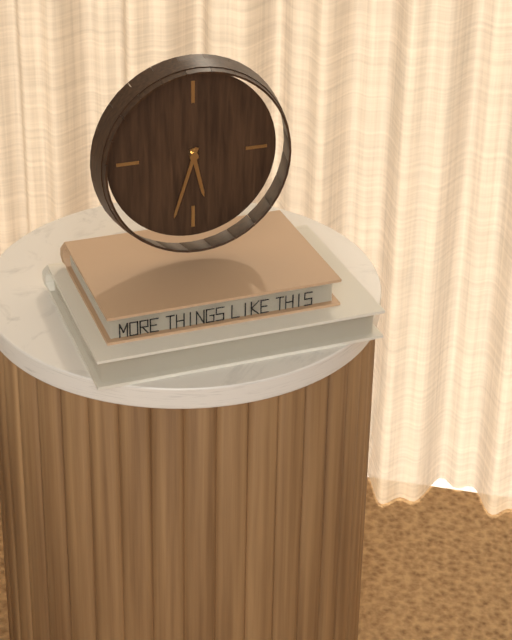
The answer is 5:33
